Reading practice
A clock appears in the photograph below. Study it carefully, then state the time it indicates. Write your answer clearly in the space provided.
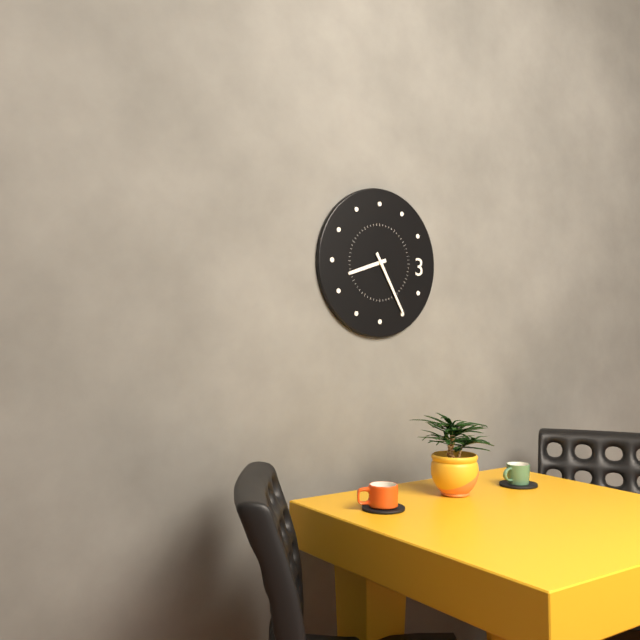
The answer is 8:25
